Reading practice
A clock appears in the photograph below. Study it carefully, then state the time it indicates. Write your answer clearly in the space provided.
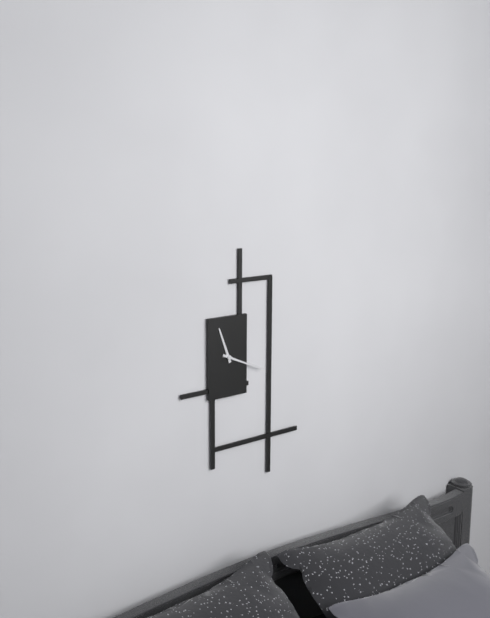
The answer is 11:19
